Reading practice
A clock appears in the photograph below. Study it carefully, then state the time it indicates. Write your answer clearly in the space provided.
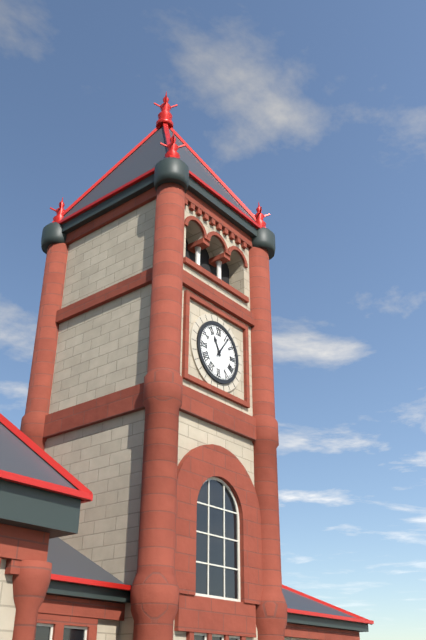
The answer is 11:06
